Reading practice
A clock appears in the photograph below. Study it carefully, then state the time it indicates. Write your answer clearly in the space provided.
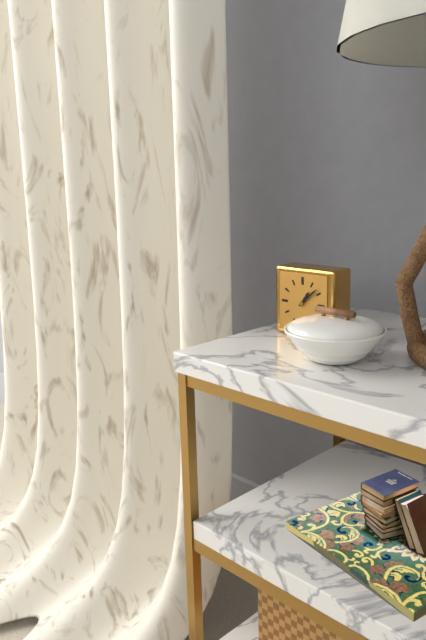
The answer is 1:08
